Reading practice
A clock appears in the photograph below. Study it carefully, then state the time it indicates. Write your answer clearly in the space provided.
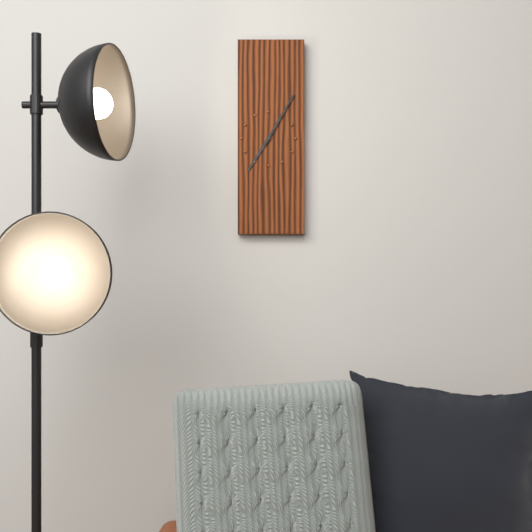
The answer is 7:05
